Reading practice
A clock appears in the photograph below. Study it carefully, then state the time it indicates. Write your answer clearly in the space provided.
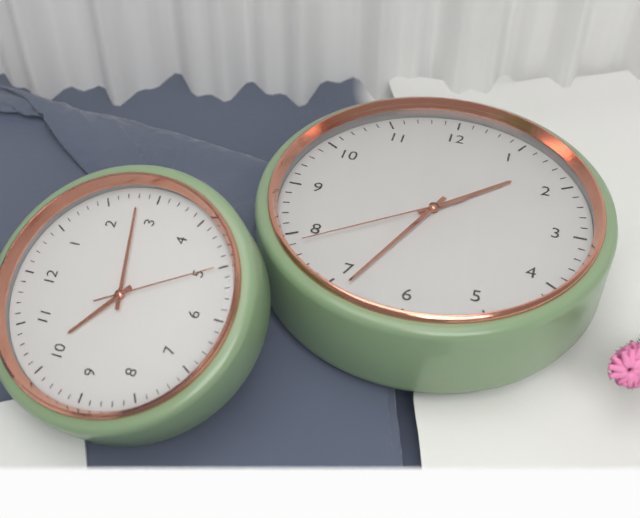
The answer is 1:34:39
